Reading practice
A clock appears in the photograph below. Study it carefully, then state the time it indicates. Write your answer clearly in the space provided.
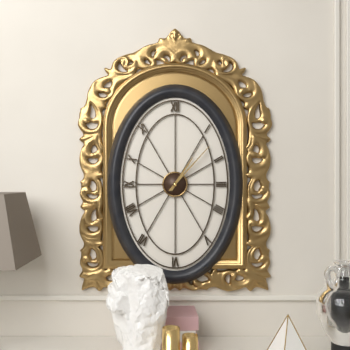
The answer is 1:07
